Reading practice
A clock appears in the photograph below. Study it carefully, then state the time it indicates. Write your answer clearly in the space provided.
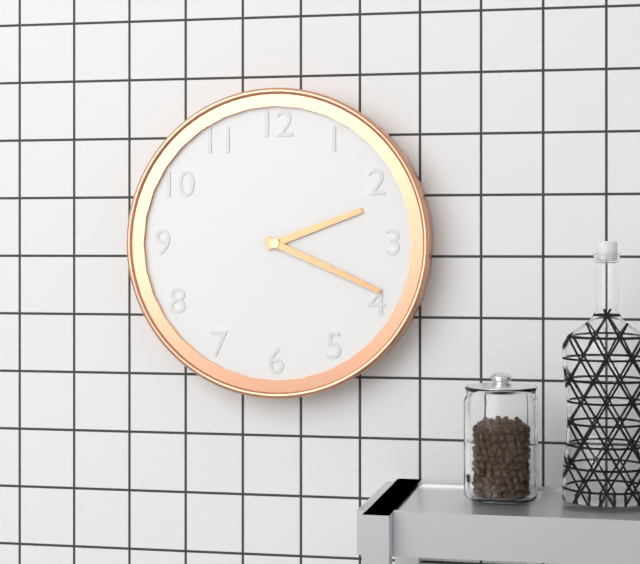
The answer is 2:19
